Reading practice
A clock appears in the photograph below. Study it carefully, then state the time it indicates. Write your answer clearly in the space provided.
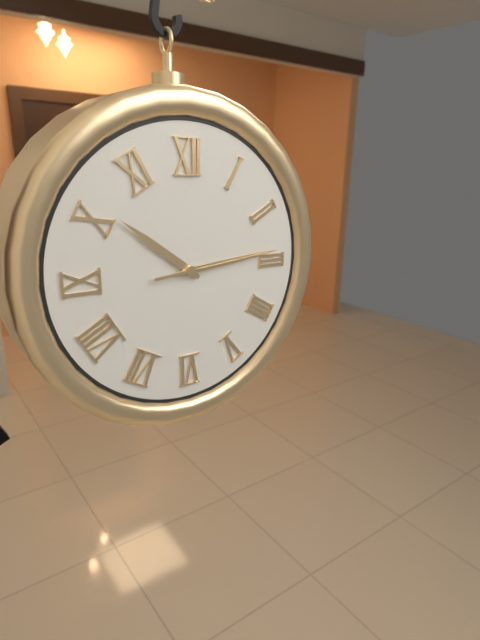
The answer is 10:14:14
